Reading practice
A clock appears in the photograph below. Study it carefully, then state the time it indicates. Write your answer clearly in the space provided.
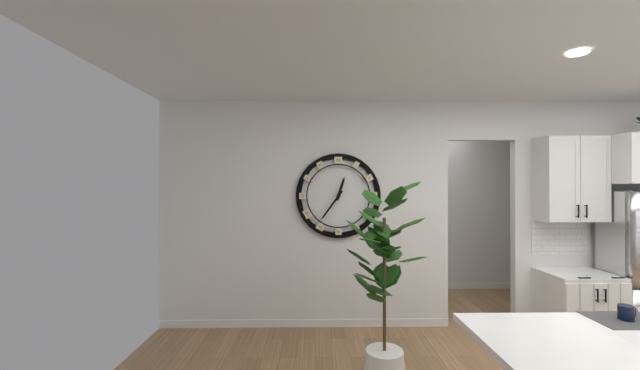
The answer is 12:36
